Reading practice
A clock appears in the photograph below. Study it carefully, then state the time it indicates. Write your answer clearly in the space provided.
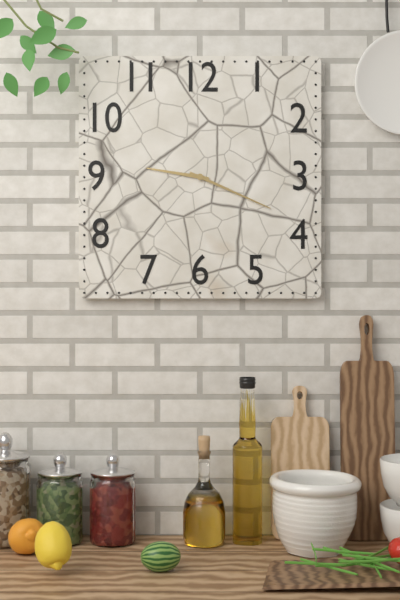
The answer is 9:19
